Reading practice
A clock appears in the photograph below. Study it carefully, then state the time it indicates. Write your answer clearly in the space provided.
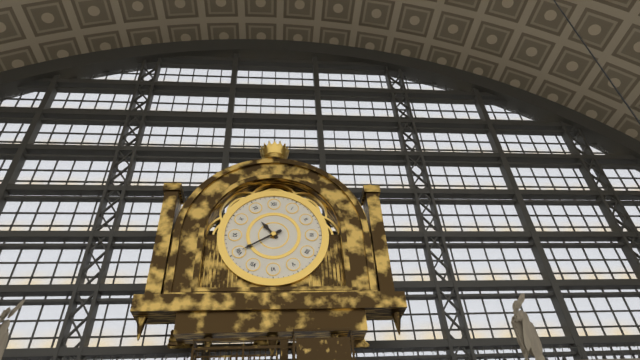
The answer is 10:40
